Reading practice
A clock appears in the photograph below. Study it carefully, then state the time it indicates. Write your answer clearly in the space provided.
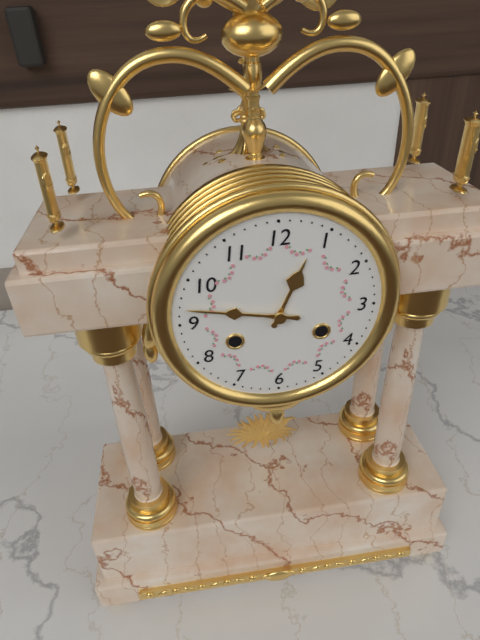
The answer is 12:47
